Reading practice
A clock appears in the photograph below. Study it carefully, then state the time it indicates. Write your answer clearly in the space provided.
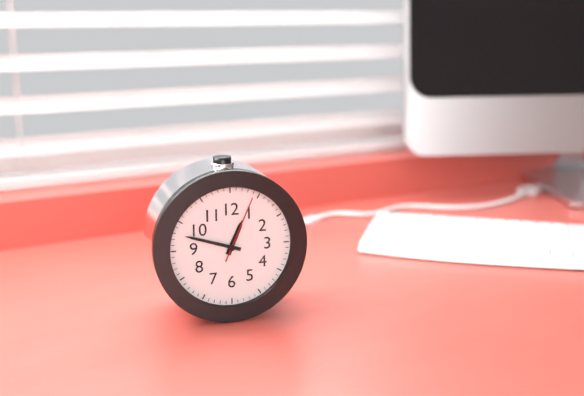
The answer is 12:48:04
